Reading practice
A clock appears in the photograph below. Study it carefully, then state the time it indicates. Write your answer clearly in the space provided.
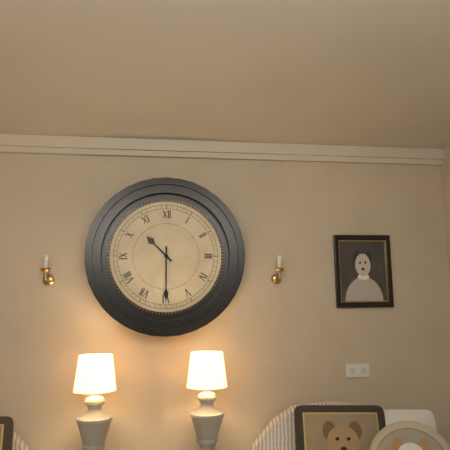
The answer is 10:30
